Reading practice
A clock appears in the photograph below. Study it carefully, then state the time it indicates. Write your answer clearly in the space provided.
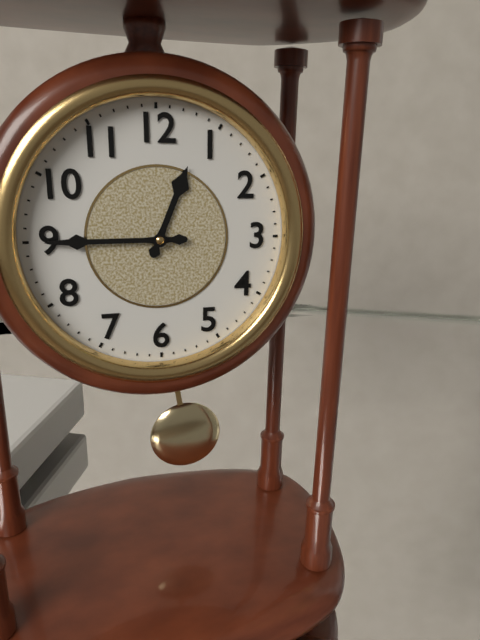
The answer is 12:45
